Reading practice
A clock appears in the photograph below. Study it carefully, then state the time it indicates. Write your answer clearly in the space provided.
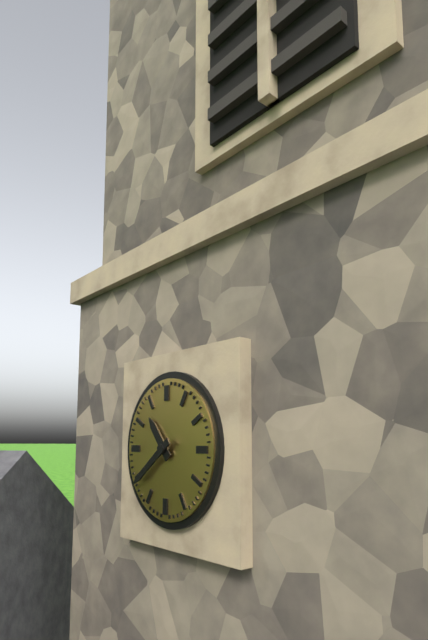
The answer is 10:39
